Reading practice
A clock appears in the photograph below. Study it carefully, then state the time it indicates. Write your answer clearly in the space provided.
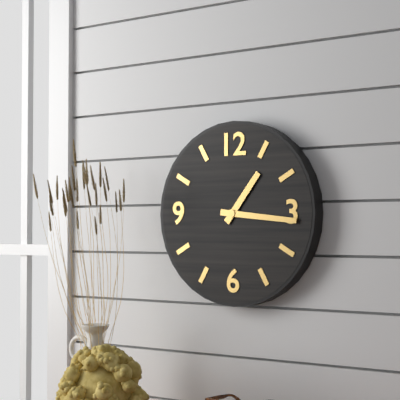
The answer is 1:16
